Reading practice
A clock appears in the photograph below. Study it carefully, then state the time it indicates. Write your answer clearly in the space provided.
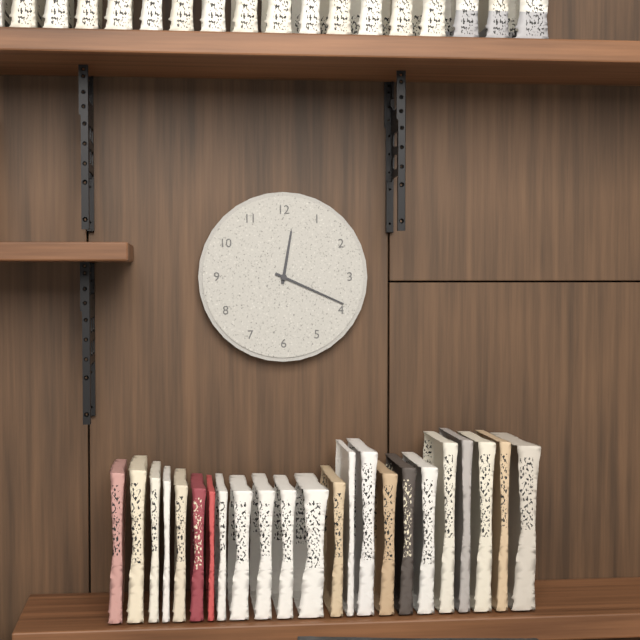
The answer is 12:19
